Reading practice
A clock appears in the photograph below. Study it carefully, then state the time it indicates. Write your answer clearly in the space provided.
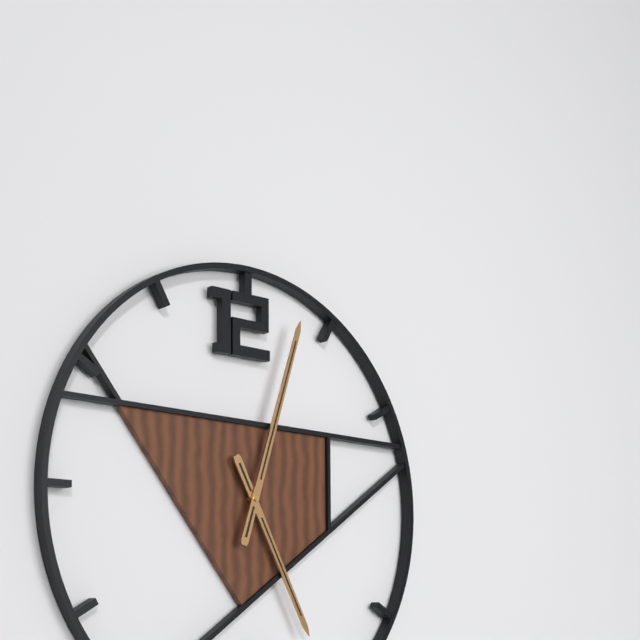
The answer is 5:03
